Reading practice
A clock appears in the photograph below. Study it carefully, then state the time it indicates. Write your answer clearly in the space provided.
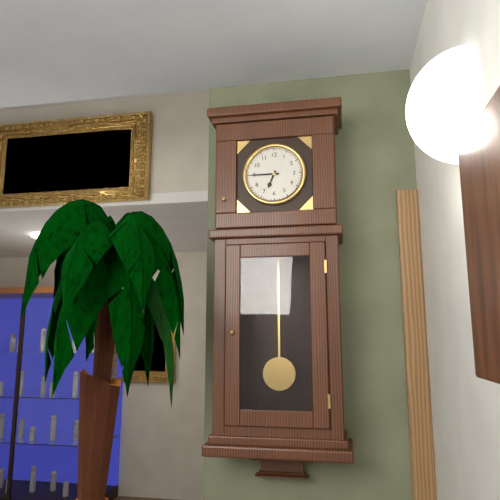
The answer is 6:45
